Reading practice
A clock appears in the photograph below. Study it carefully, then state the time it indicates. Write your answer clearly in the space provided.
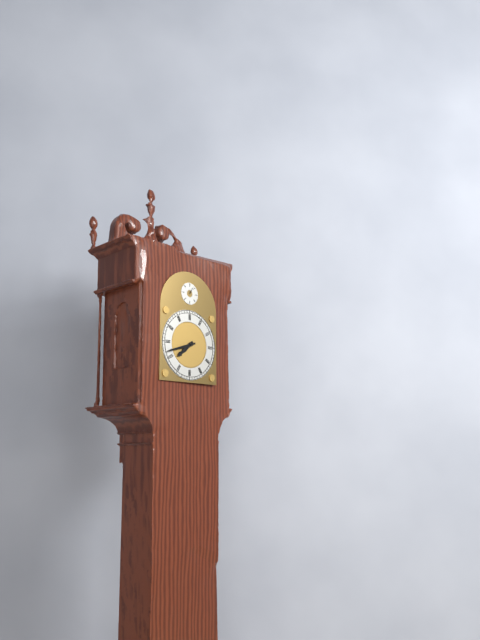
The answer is 7:42
